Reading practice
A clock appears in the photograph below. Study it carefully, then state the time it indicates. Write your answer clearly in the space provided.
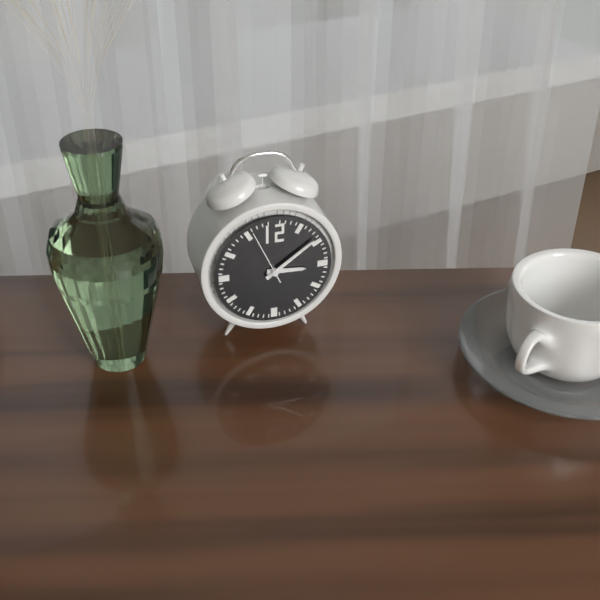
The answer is 3:09:56
